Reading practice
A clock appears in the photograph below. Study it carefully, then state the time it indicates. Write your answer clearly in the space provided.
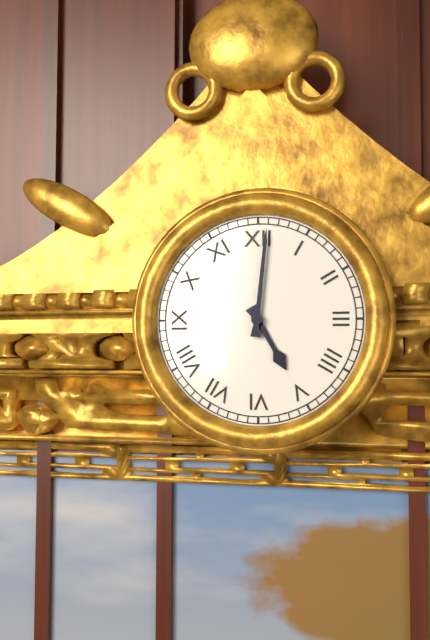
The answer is 5:01
